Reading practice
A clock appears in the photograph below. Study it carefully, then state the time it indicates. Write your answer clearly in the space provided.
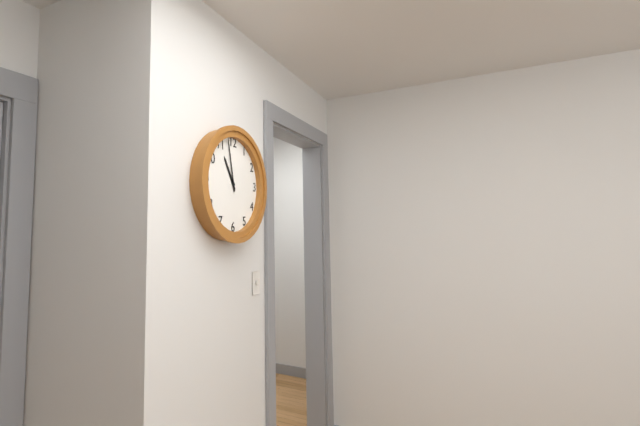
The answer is 10:58
